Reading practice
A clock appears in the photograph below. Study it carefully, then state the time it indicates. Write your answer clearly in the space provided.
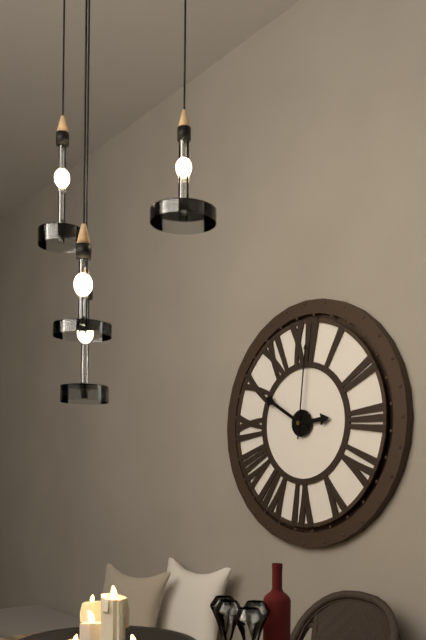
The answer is 2:50:01
